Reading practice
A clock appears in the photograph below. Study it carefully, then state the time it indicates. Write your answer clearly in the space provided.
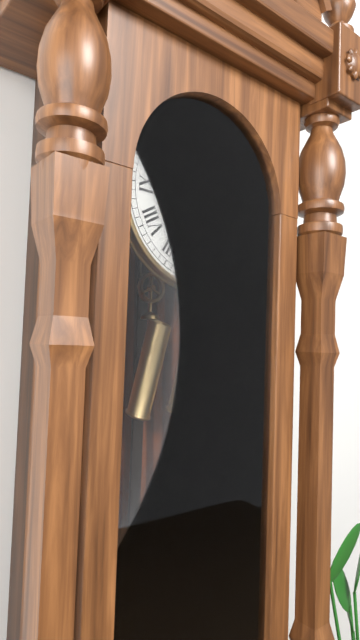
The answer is 3:36
